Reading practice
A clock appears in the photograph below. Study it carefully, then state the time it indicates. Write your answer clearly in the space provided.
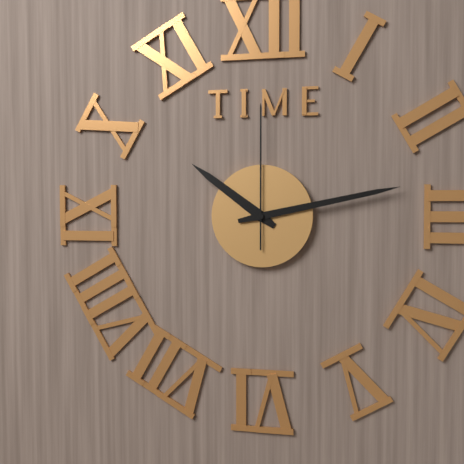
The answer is 10:13:00
